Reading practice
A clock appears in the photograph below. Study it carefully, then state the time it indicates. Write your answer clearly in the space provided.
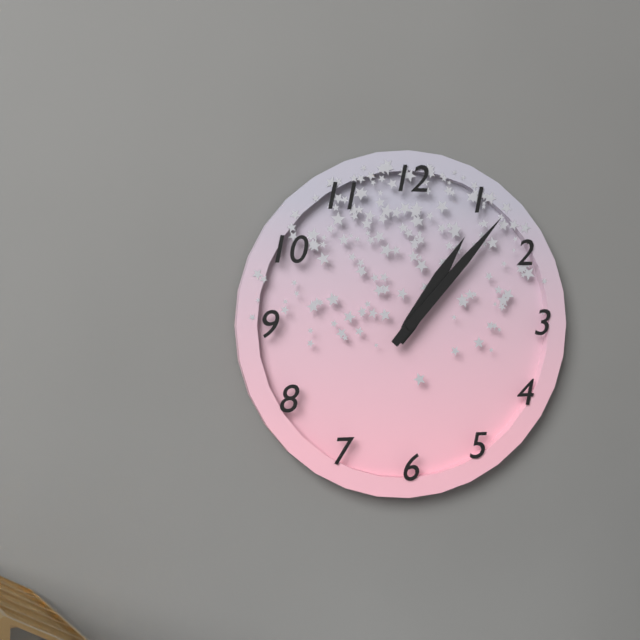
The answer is 1:07
